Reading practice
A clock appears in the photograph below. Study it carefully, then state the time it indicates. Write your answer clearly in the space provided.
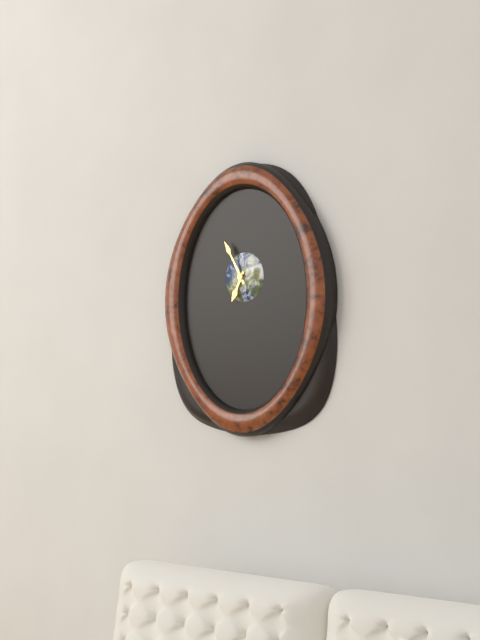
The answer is 6:55
